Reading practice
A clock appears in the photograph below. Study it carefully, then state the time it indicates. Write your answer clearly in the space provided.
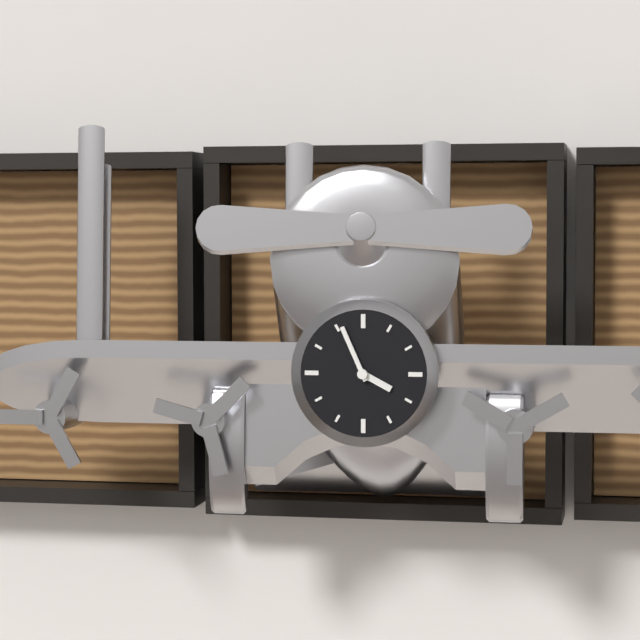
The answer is 3:56
